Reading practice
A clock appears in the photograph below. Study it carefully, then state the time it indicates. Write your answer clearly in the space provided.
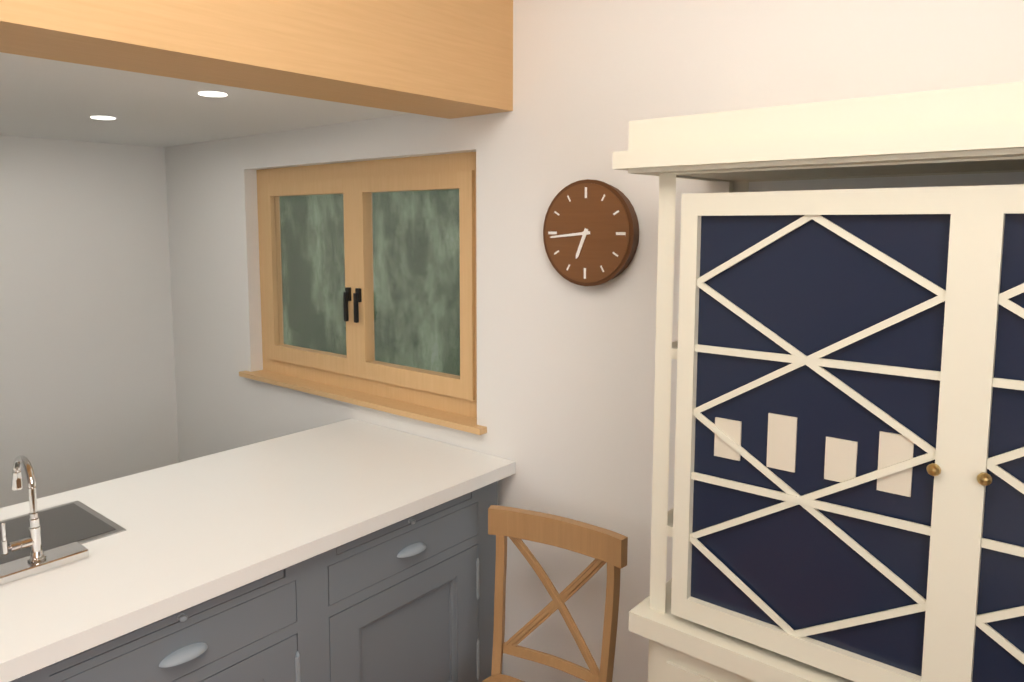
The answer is 6:44
